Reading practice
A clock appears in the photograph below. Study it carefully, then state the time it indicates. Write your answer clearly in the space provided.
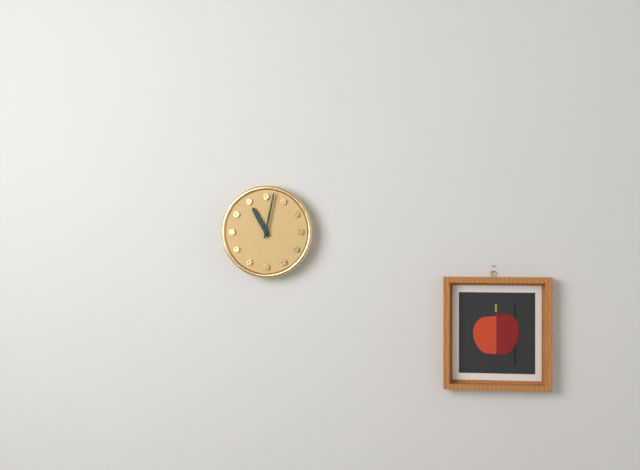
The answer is 11:02
